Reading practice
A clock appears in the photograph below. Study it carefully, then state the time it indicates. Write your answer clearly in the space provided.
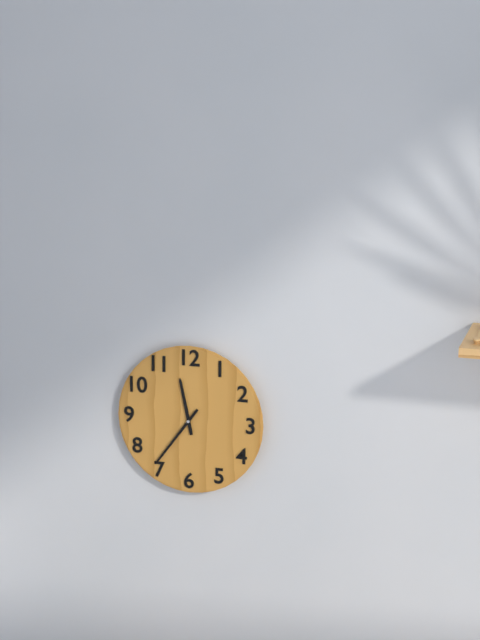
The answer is 11:36
